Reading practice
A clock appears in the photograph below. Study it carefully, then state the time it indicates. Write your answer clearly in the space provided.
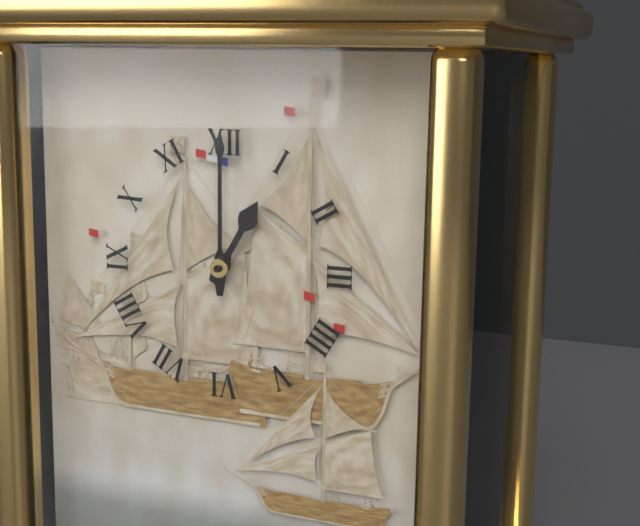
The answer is 1:00
